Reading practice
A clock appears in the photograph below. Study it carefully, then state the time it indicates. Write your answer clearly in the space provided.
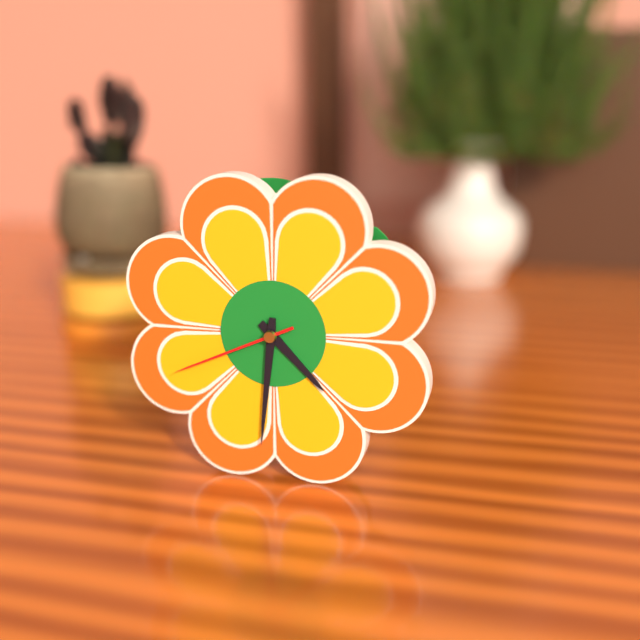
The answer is 4:31:41
